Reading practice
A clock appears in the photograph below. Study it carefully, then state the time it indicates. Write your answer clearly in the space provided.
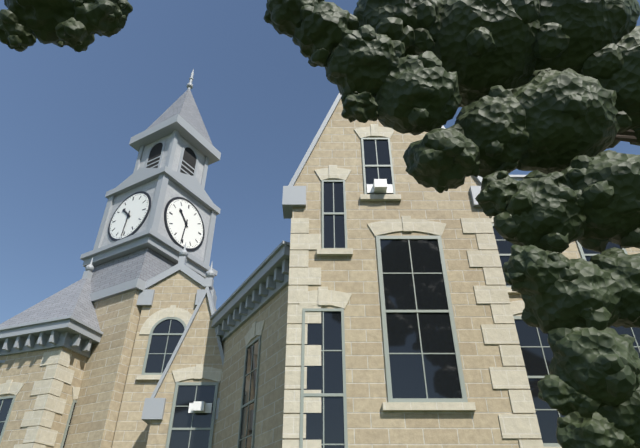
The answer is 10:31
